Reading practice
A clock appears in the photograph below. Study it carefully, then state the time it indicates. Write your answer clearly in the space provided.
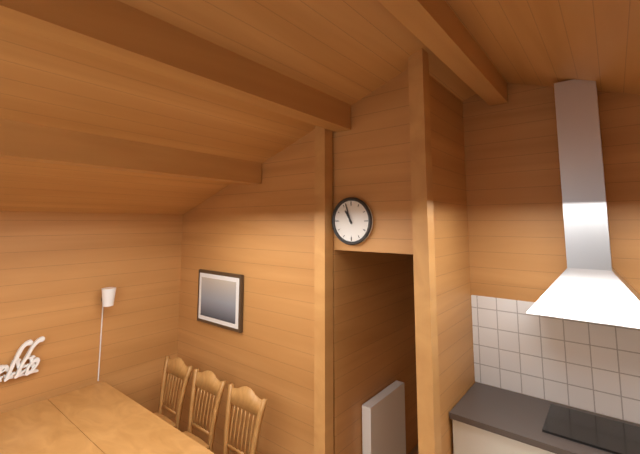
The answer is 10:57
